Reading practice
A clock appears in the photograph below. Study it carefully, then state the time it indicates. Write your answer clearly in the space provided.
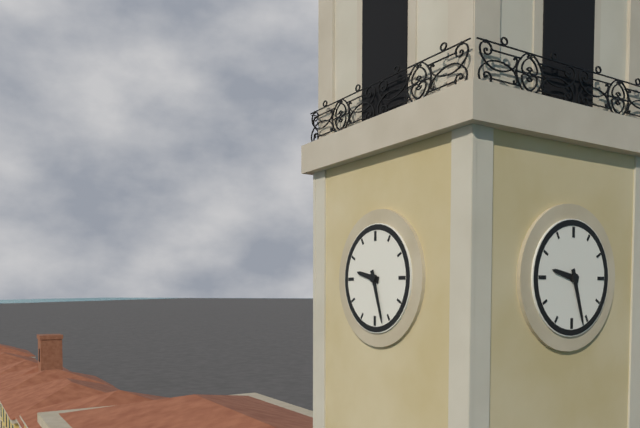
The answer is 9:27
